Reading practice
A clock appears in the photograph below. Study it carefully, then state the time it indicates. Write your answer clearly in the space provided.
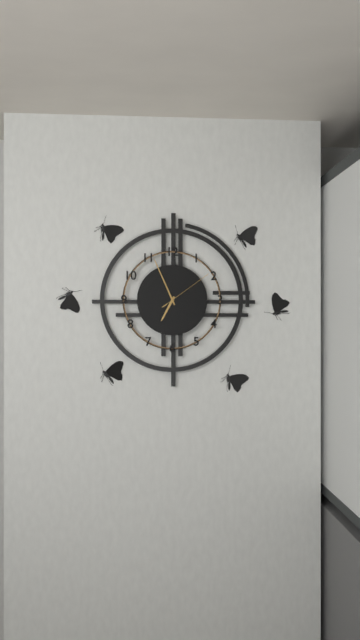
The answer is 6:56:09
